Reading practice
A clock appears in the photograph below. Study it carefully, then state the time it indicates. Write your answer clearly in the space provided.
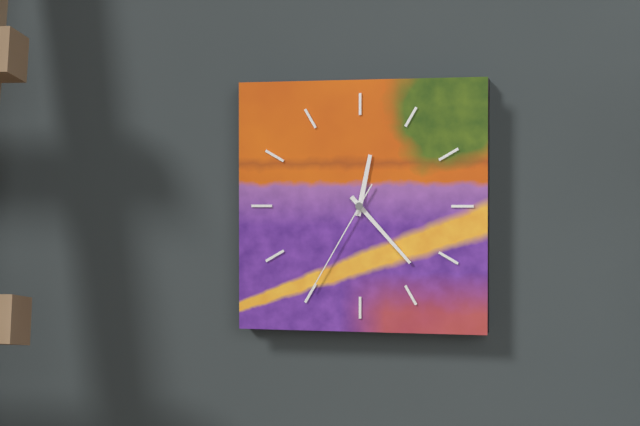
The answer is 12:23:35
